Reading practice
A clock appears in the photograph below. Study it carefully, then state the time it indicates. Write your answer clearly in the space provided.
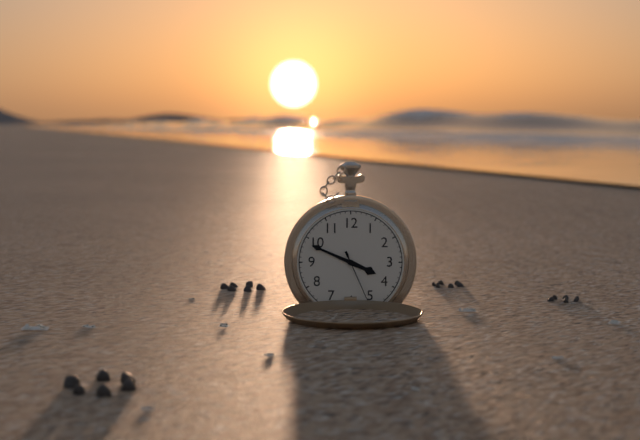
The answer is 3:49:26
